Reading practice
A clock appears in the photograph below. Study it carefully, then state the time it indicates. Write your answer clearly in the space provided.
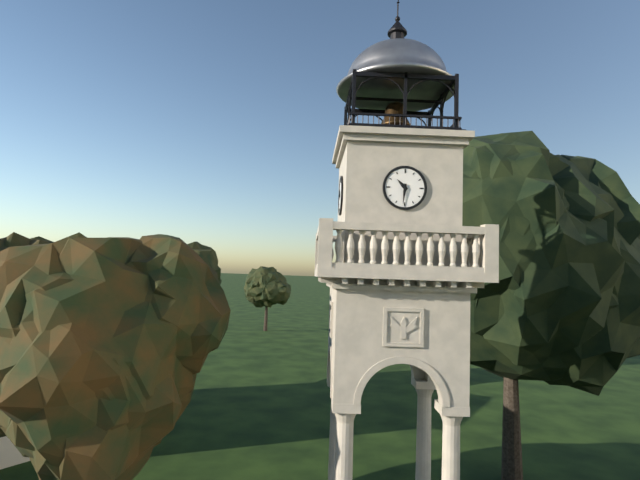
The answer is 10:31
